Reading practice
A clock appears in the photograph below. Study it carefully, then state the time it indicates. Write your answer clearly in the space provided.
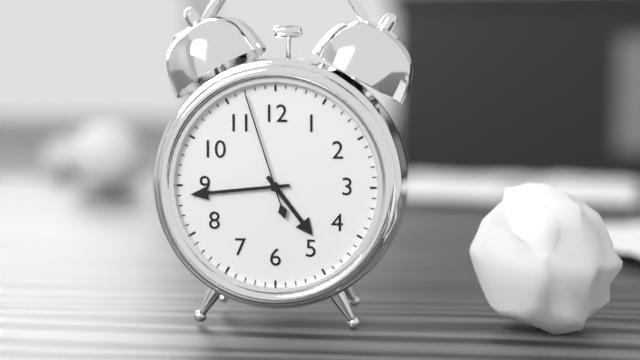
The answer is 4:44:57
